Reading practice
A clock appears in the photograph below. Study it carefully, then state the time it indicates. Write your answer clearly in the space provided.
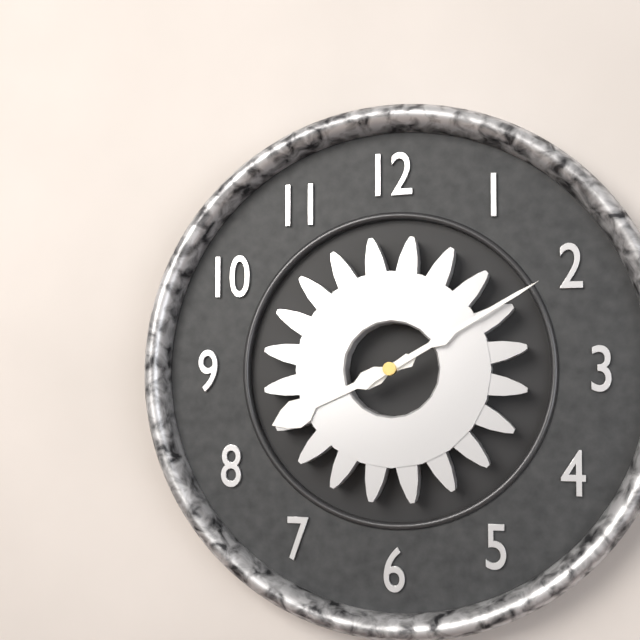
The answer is 8:10
